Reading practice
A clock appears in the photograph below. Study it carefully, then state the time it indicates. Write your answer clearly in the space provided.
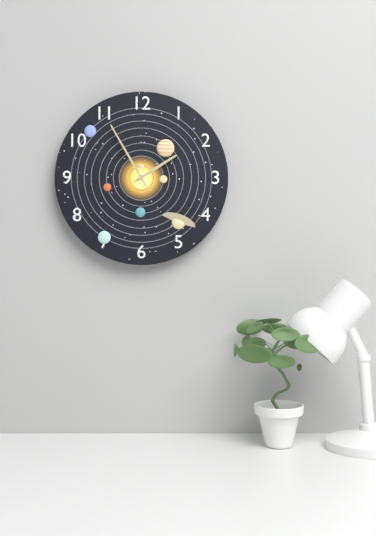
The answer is 1:55
